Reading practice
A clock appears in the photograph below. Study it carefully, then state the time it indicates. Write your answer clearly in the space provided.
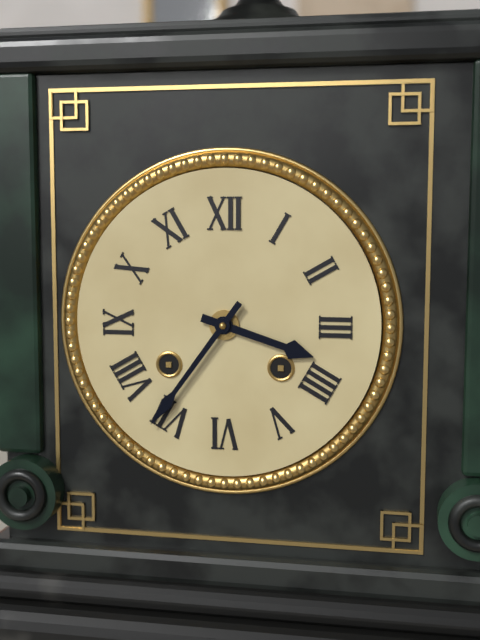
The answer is 3:36
